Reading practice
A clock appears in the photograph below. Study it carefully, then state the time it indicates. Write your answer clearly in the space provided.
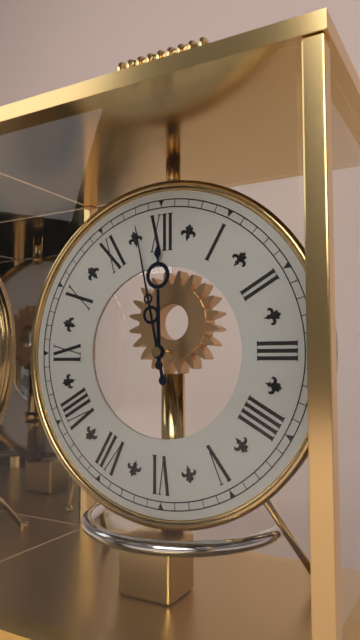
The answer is 11:58
